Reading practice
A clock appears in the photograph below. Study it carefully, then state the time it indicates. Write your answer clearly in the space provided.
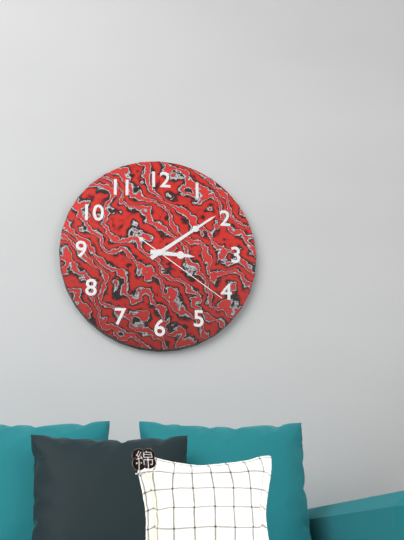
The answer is 3:09:21
